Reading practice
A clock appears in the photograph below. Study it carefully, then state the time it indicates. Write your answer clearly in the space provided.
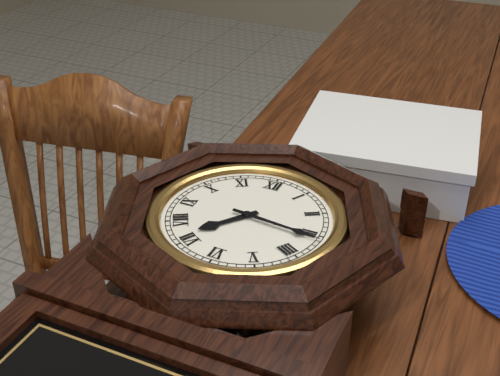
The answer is 7:16
